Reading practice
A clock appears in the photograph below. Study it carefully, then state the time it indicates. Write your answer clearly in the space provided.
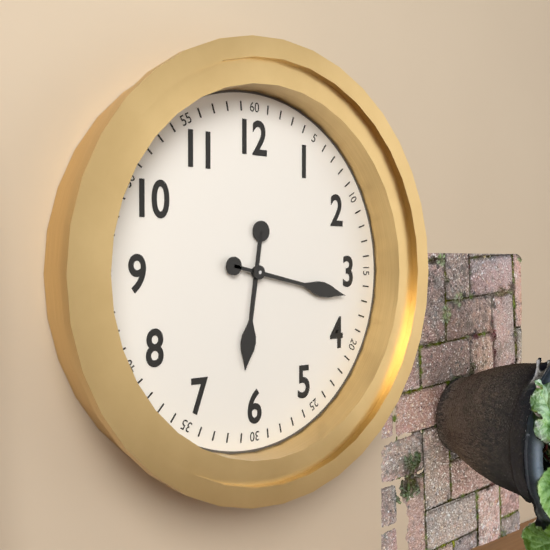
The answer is 6:17
